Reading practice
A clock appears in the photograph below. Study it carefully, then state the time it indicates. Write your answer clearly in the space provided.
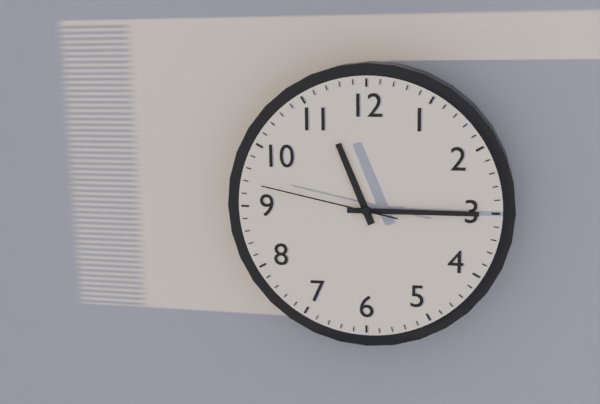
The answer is 11:15:47
